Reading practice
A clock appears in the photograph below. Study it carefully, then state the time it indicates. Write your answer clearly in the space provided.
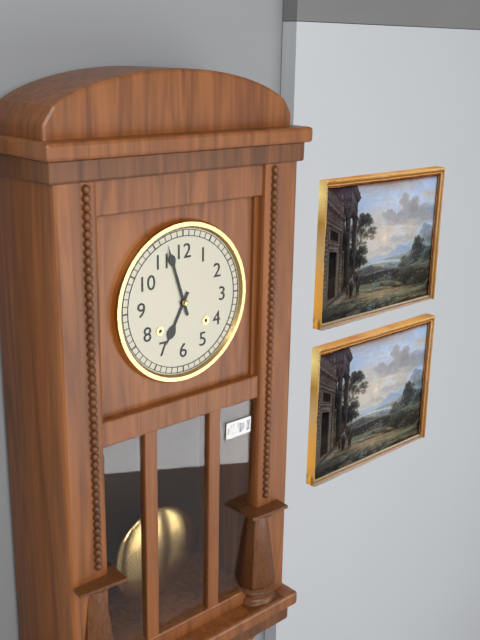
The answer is 6:57
